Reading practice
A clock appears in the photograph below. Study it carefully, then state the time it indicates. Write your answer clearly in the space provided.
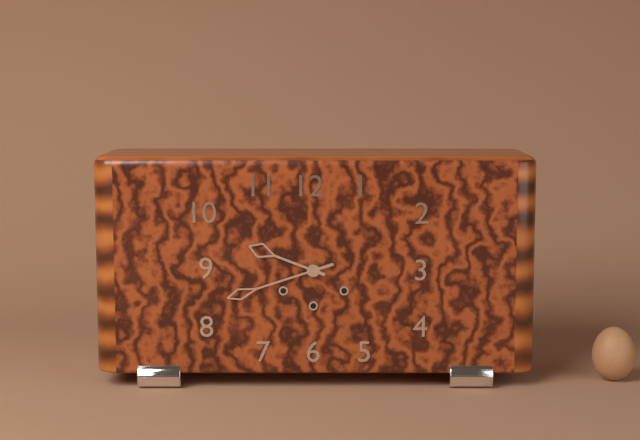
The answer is 9:42
